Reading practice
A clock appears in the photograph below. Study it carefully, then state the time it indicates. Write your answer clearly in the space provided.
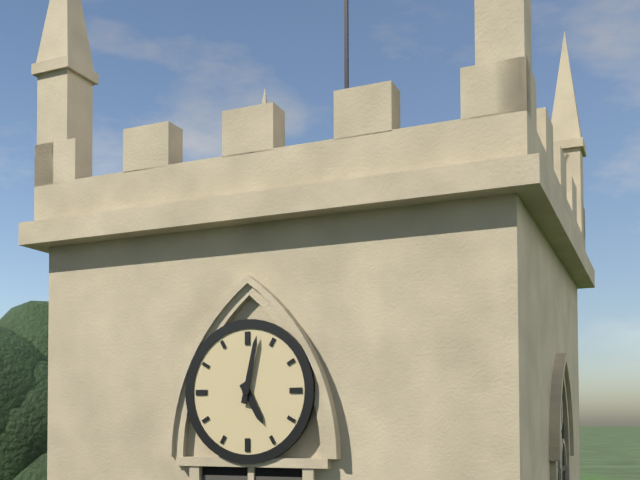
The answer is 5:02
